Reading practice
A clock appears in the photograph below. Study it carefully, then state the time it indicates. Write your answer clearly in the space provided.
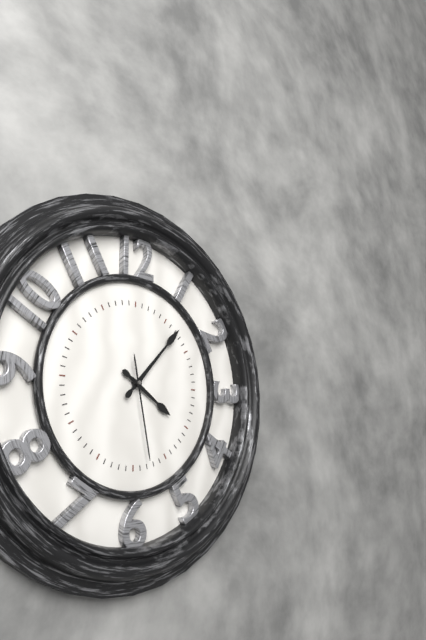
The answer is 4:07:28
